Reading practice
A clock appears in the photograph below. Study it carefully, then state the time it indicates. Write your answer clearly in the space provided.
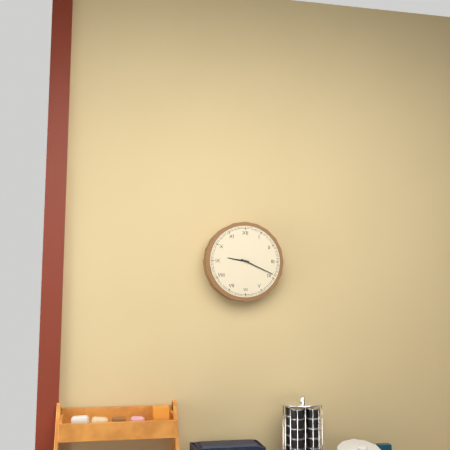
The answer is 9:19
